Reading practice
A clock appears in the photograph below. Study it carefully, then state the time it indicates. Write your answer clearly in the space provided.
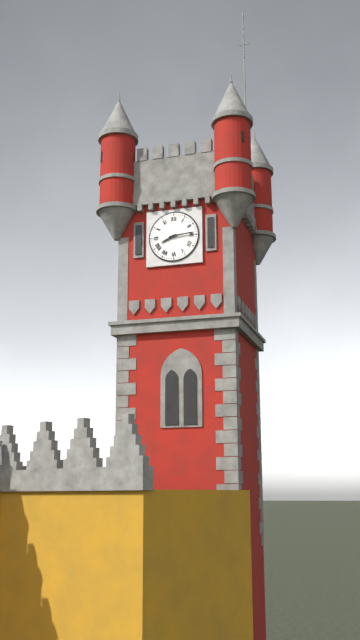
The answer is 8:14
